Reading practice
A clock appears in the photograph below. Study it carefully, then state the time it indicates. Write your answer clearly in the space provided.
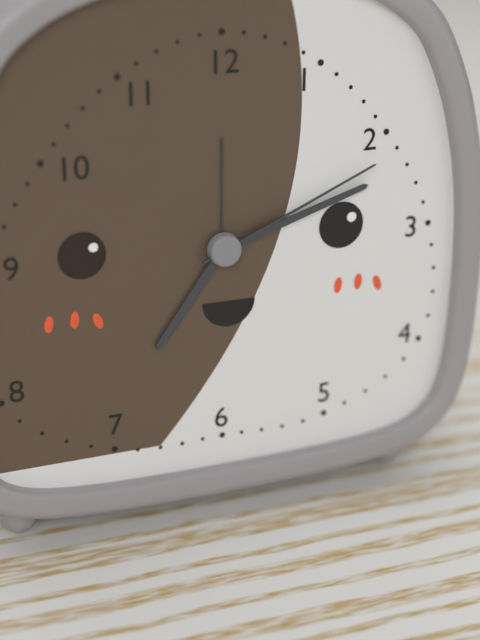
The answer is 7:12:11
